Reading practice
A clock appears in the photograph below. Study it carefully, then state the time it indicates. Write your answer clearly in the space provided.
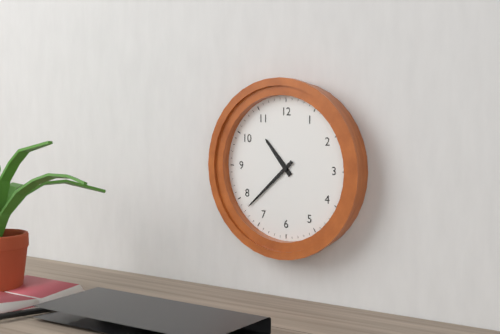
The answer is 10:38
